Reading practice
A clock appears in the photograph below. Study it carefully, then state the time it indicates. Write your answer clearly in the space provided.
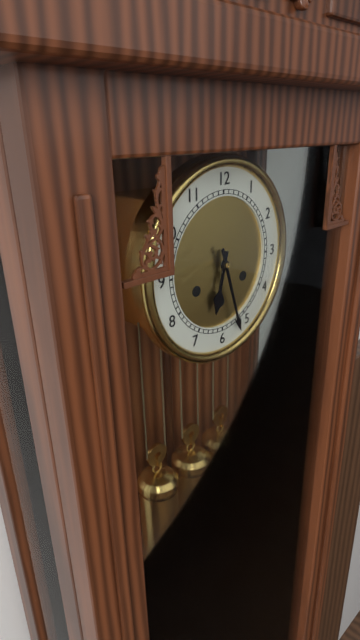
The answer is 6:27
